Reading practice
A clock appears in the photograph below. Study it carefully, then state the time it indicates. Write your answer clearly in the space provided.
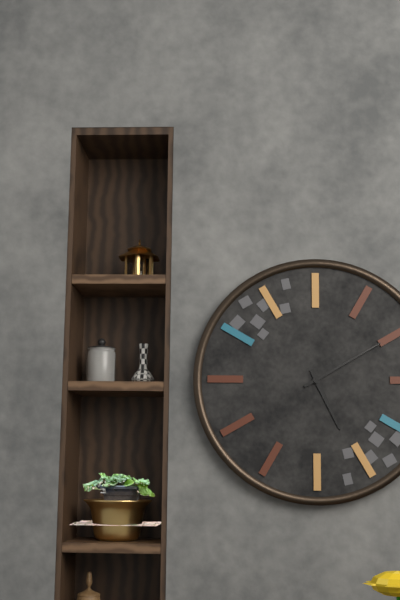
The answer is 5:10
